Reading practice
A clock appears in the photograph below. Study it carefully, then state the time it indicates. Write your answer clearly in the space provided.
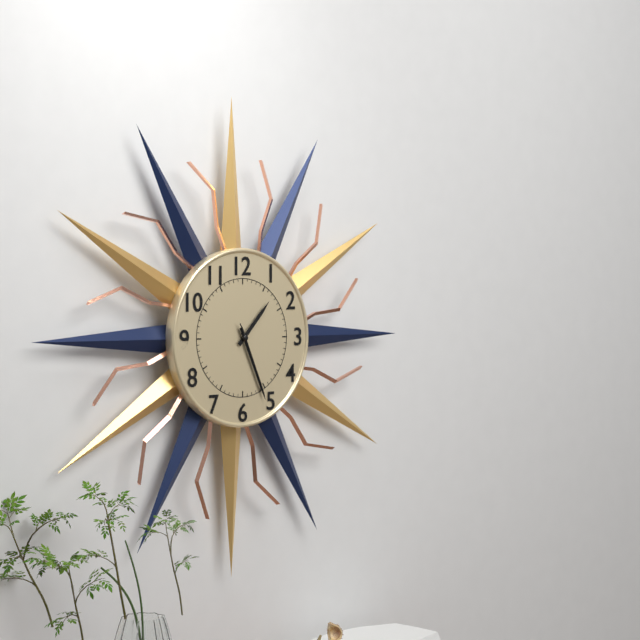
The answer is 1:26:26
